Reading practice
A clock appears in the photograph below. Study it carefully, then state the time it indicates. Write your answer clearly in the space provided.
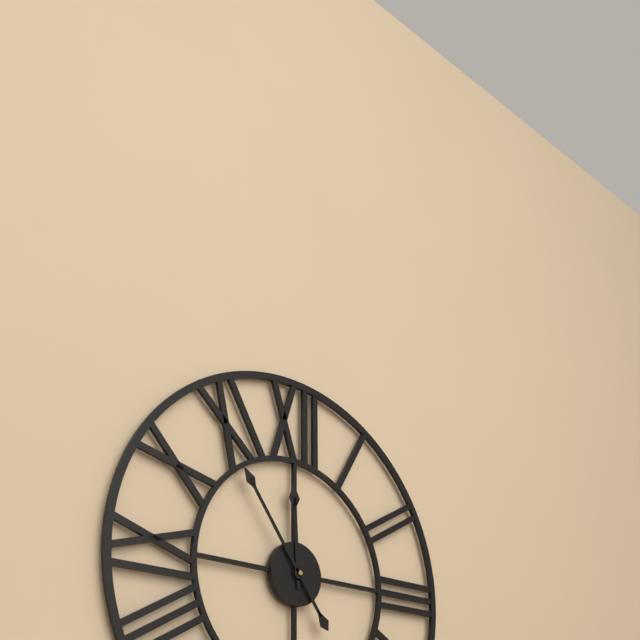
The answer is 11:54
